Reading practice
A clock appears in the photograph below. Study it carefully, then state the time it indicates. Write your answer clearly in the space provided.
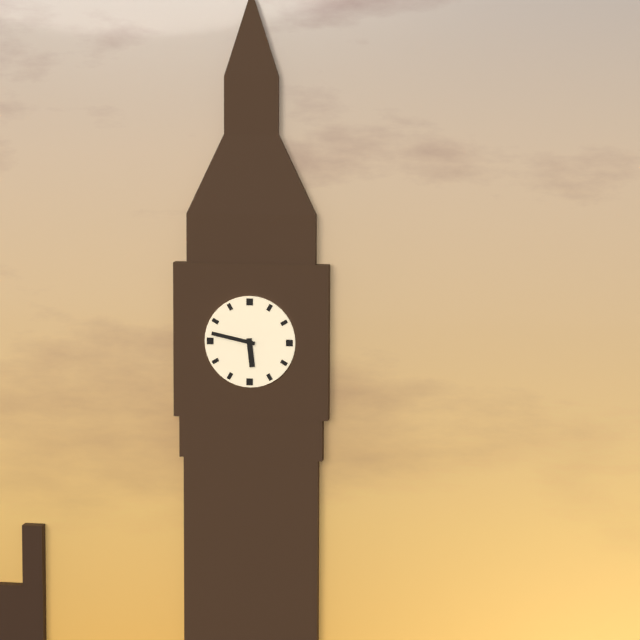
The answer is 5:47
